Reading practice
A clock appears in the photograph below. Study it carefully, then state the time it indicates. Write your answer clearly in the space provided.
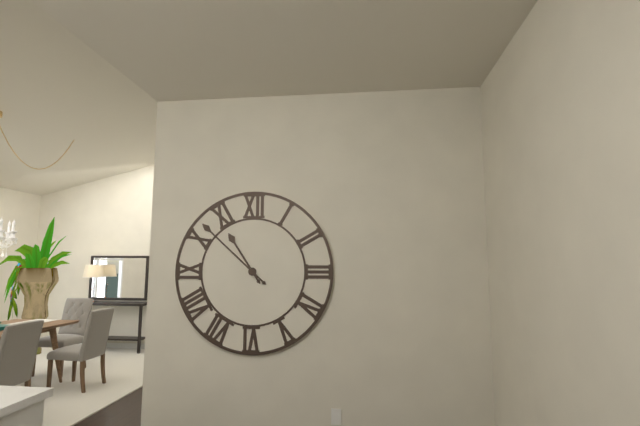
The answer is 10:52
